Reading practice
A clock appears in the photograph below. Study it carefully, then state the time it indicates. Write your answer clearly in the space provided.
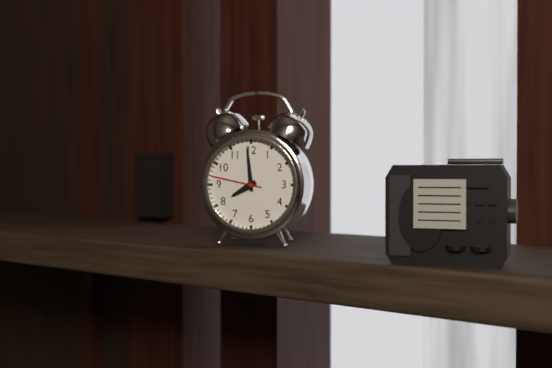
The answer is 7:59:47
